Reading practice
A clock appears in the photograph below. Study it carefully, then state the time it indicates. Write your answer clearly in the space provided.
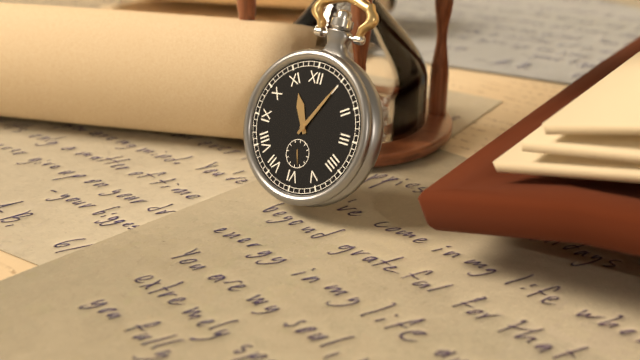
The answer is 11:05
